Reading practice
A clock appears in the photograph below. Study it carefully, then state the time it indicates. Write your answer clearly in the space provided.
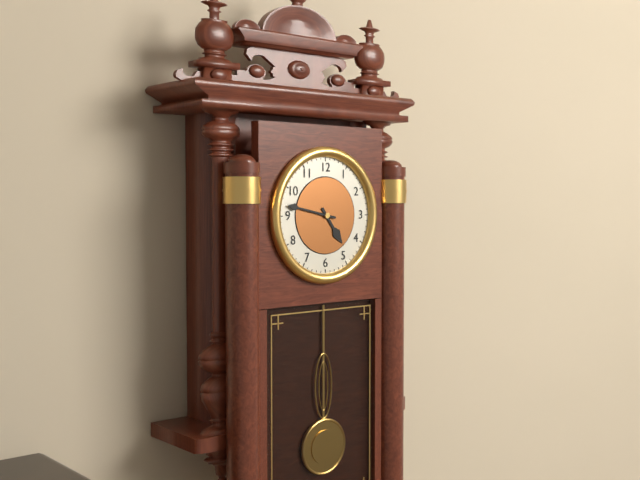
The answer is 4:47
